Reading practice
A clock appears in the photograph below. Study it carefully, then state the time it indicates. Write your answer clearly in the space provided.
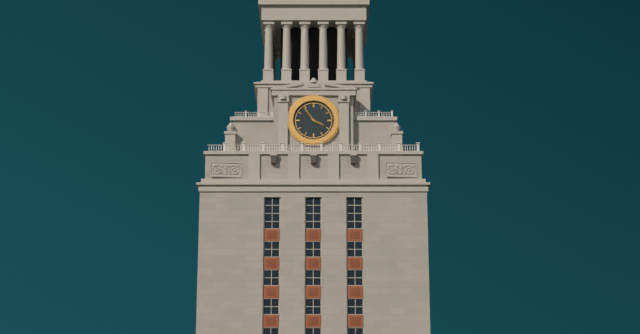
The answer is 3:54
